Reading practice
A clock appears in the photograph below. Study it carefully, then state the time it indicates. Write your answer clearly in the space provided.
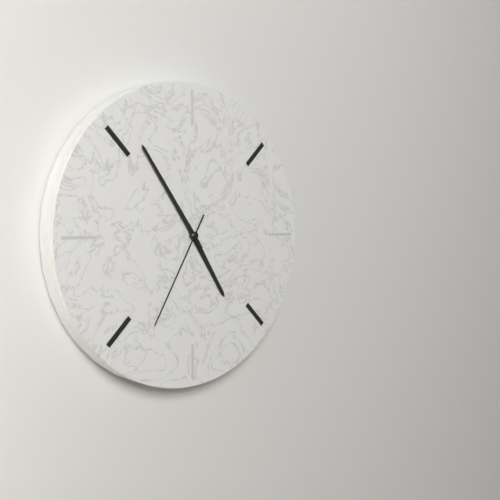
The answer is 4:54:35
